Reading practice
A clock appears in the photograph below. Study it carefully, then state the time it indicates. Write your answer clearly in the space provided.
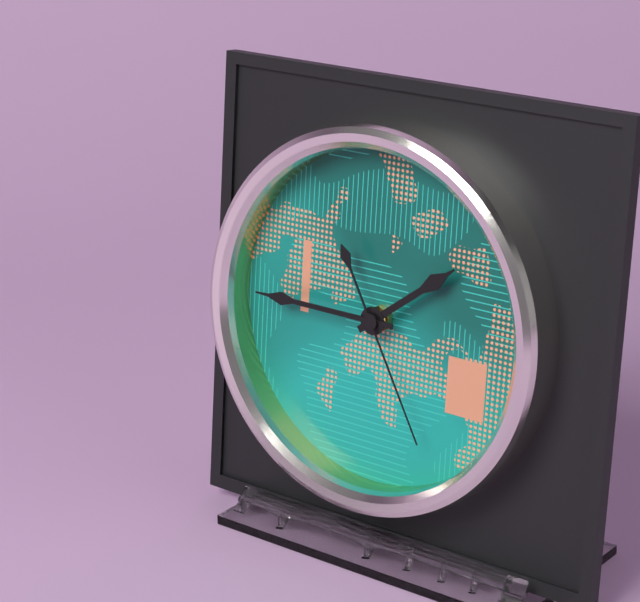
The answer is 1:45:25
